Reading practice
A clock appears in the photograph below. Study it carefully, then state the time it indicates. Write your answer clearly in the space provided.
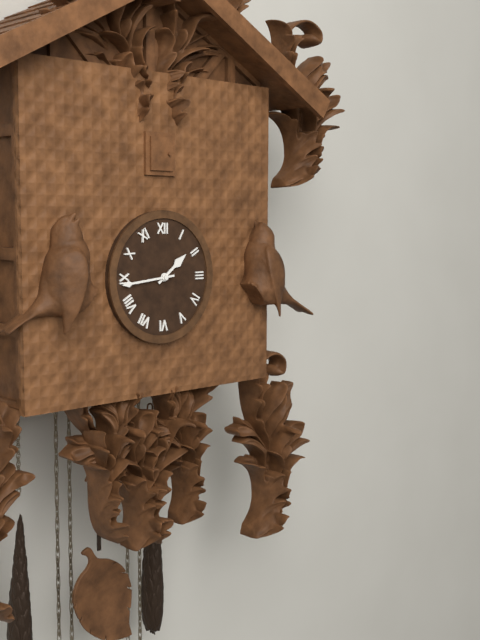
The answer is 1:44
